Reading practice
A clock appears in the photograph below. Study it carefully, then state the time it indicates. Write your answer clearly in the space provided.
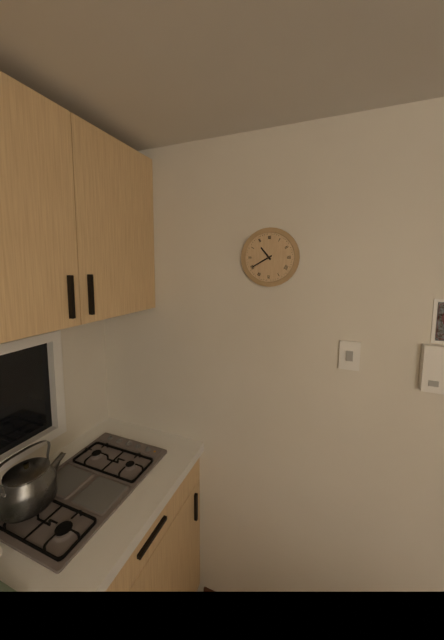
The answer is 10:40
